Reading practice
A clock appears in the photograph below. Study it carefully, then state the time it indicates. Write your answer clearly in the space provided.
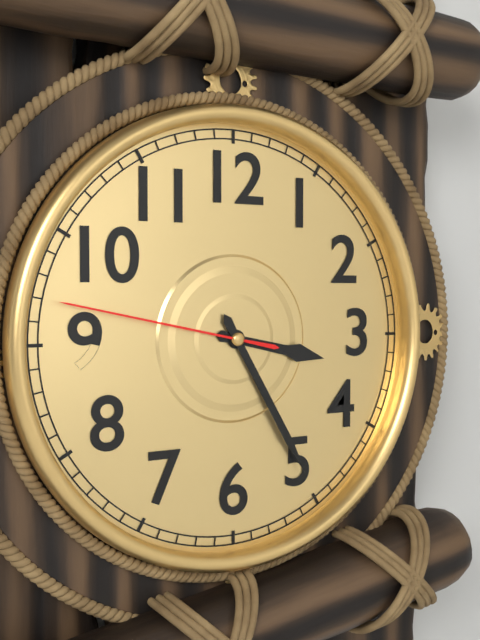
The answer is 3:25:47
